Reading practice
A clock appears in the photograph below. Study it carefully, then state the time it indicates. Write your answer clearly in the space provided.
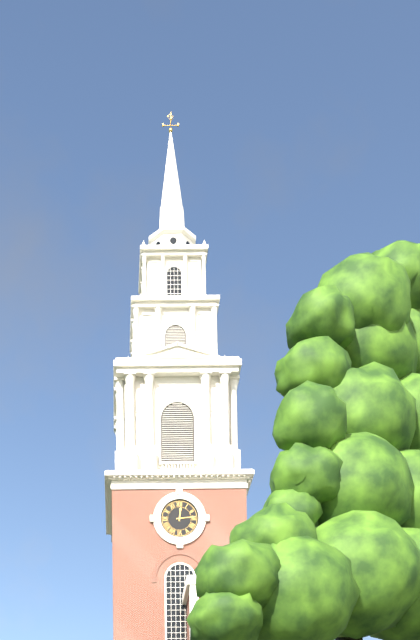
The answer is 12:14
